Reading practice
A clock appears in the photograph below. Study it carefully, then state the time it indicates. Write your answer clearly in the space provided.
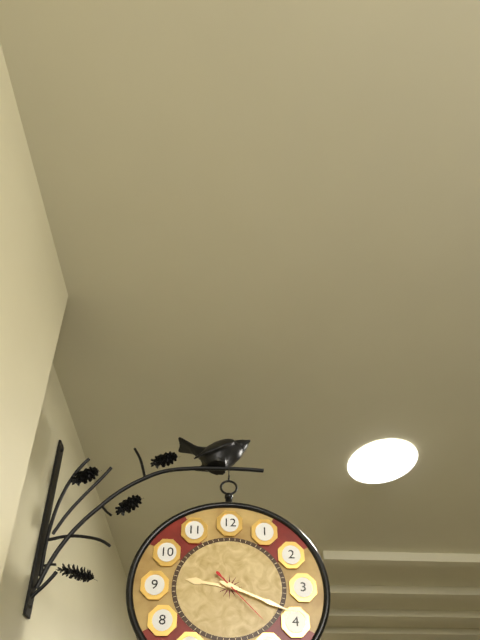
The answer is 9:19:23
